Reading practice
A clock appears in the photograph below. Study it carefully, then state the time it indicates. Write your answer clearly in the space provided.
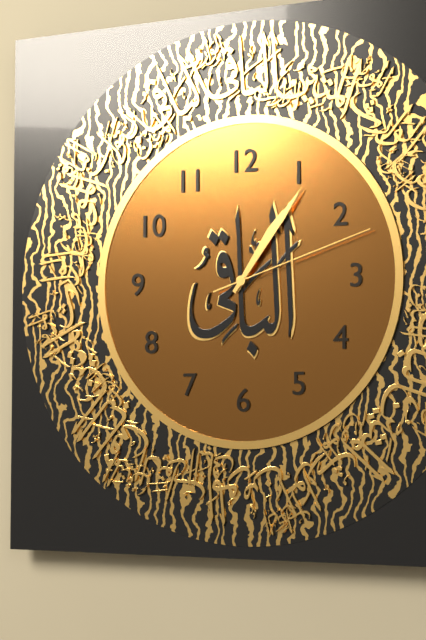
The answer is 1:06:12
